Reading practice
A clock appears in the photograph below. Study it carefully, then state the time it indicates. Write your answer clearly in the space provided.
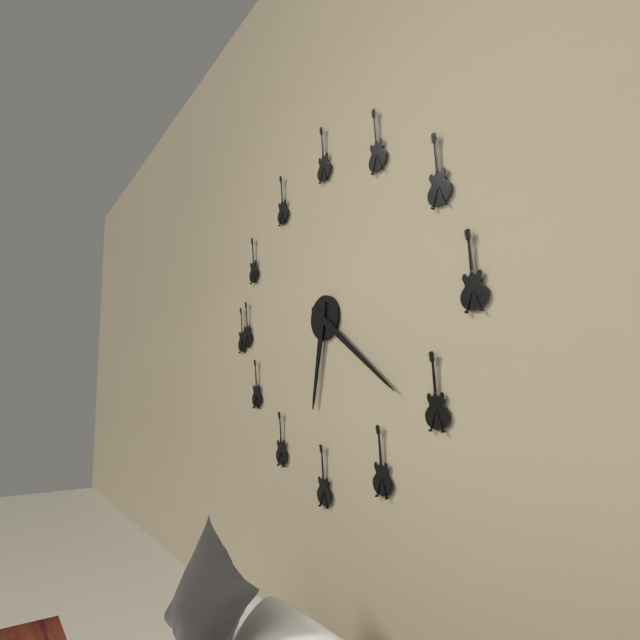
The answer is 6:21
